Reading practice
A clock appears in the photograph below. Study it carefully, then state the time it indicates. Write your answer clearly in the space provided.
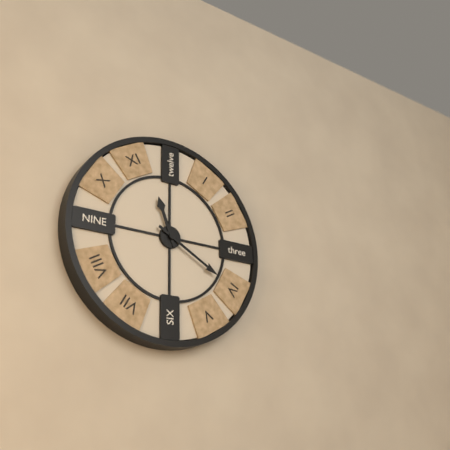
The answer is 11:20
